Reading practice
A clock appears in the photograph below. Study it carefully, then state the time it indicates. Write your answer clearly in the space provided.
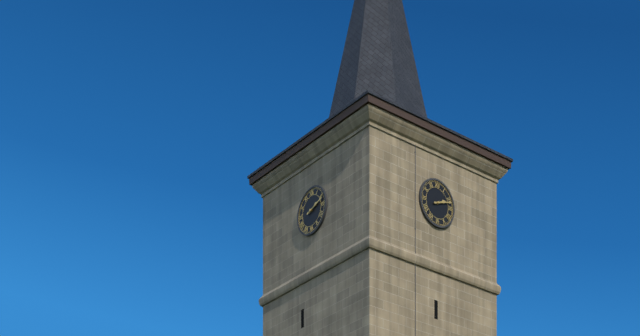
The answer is 2:12
